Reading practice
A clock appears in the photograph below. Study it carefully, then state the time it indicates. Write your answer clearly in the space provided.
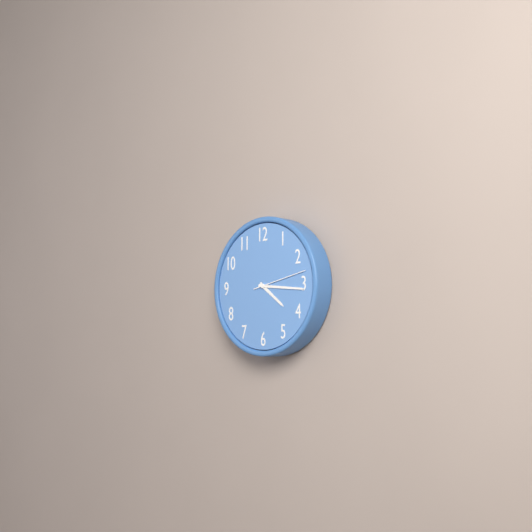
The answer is 4:16:13
